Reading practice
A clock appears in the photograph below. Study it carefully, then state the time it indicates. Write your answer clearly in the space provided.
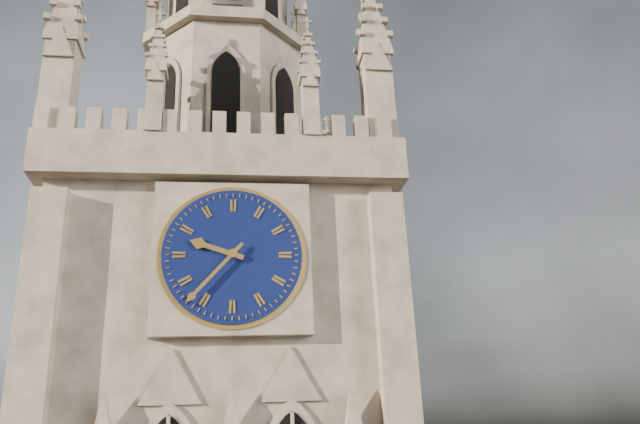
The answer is 9:37
